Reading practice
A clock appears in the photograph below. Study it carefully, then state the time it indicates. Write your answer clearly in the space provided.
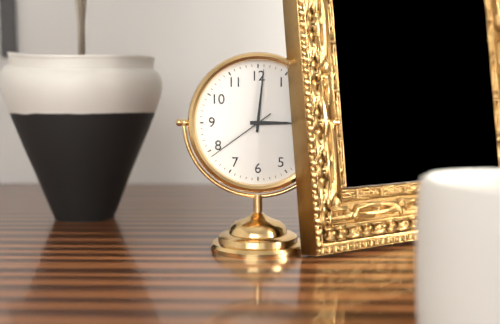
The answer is 3:01:39
